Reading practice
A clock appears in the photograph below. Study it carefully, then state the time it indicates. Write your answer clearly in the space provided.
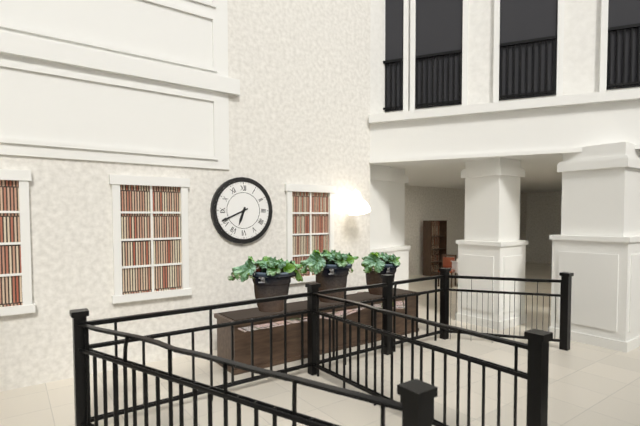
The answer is 6:41
